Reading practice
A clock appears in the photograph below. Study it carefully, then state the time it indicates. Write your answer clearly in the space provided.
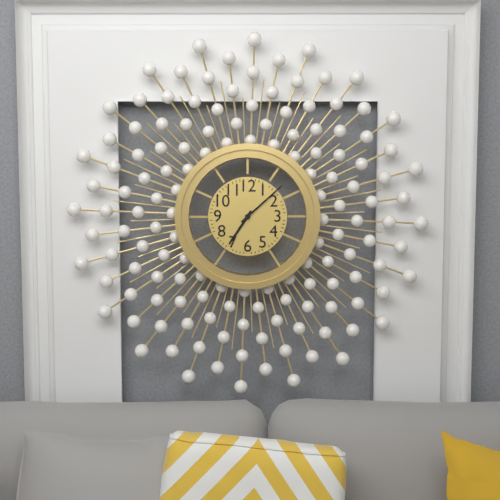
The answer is 7:08
